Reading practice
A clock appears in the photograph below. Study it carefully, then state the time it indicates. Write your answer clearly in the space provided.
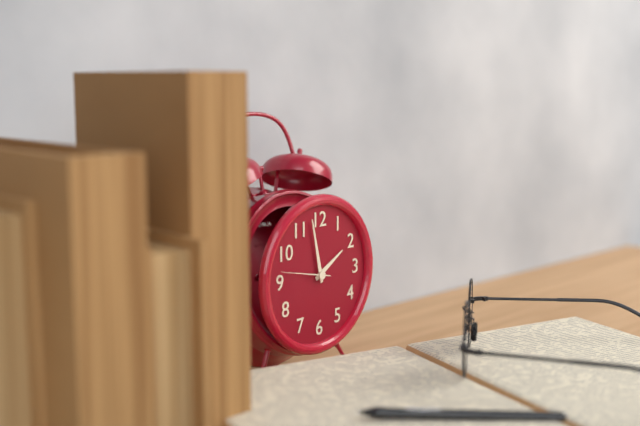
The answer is 1:58
